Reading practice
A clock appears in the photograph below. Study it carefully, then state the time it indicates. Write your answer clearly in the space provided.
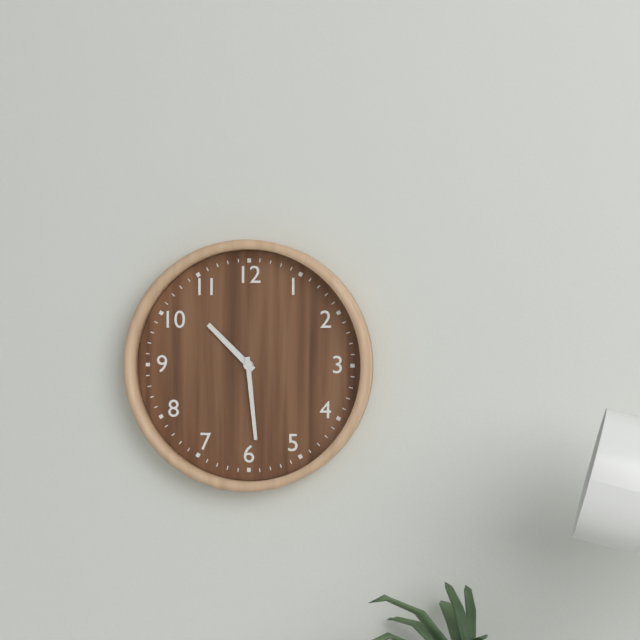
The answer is 10:29
